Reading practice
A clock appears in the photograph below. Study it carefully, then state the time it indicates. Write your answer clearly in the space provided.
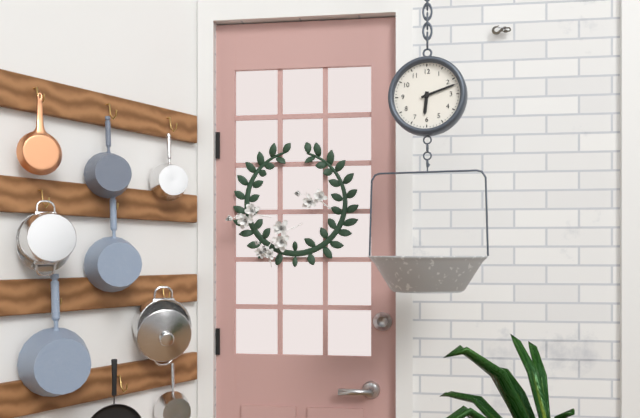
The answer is 6:12
